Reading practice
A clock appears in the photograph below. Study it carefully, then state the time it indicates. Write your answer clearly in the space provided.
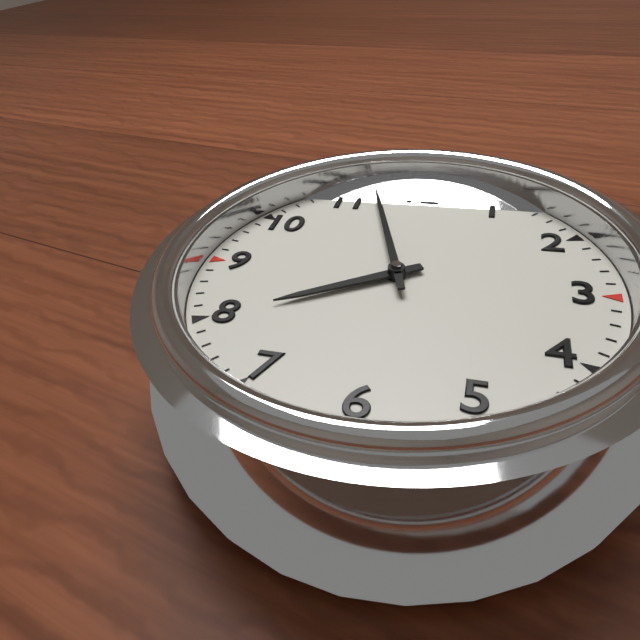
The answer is 7:57
